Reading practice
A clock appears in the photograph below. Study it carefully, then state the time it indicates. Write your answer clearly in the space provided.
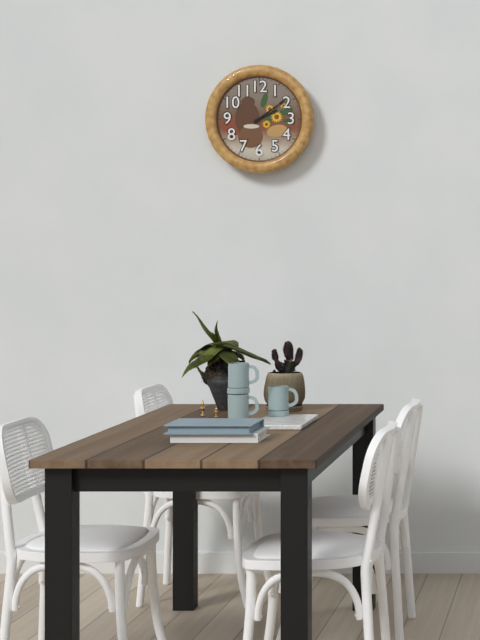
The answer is 2:09
